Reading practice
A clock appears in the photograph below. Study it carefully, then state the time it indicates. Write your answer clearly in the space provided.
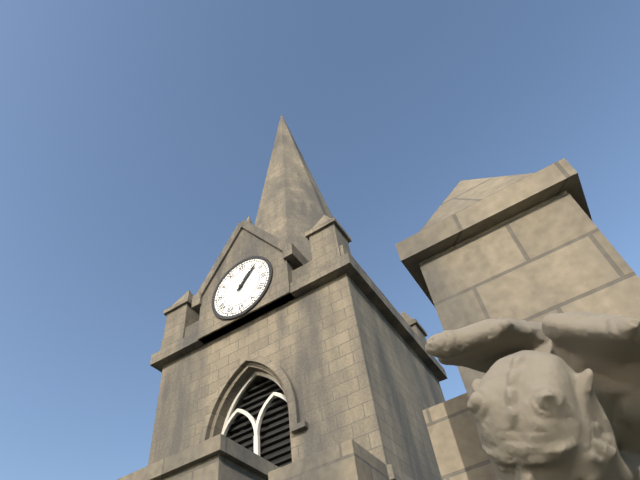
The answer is 1:07
